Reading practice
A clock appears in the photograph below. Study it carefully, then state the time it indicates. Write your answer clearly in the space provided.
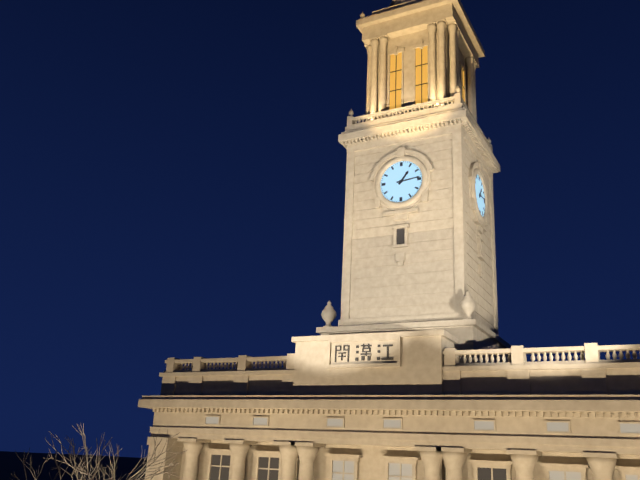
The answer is 1:14
